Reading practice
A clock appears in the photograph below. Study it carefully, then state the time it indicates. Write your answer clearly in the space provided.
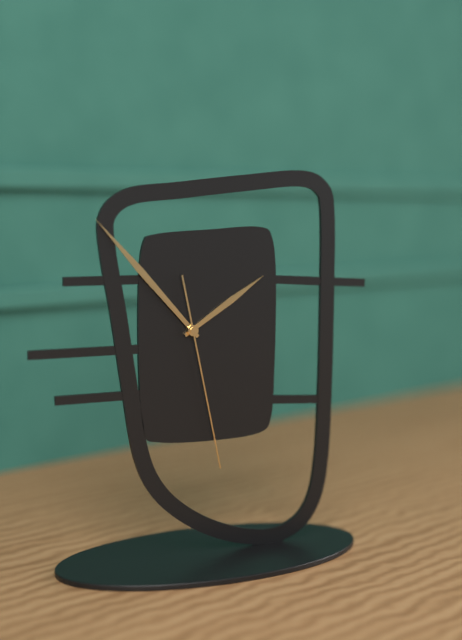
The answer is 1:53:28
